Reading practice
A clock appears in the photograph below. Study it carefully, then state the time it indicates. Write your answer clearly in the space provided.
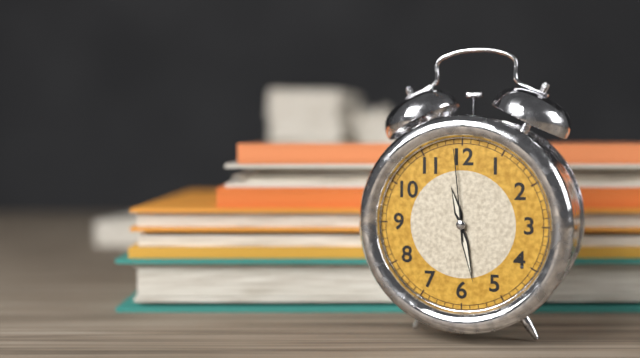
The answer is 11:28:59
